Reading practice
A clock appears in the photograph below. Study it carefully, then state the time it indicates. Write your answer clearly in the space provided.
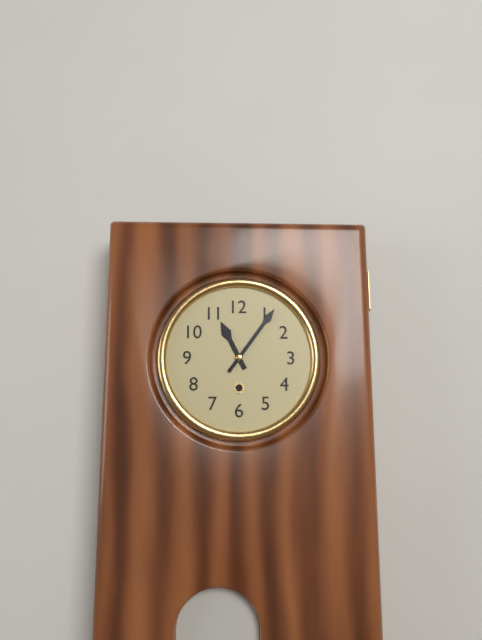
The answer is 11:06
